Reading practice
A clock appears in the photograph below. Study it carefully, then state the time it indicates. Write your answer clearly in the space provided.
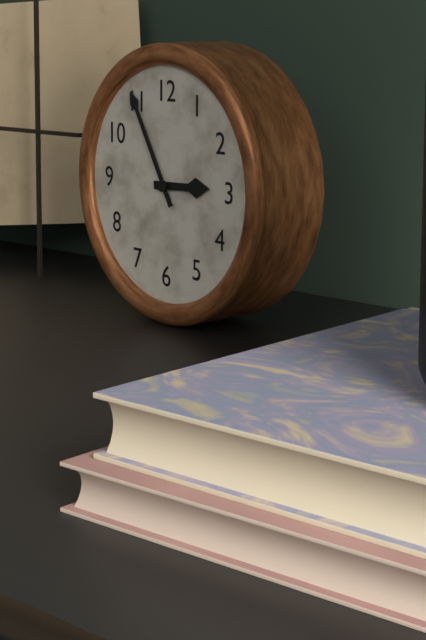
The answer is 2:55
